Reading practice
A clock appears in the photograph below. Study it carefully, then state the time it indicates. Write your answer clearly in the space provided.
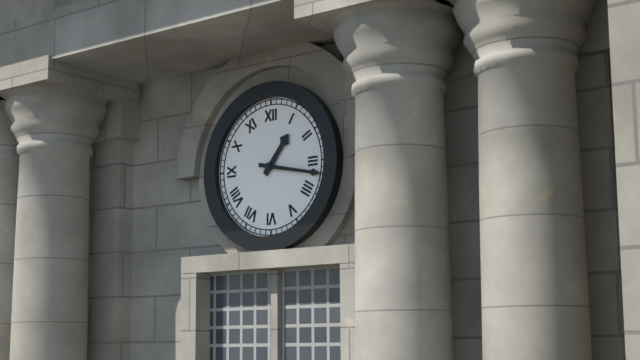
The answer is 1:17
